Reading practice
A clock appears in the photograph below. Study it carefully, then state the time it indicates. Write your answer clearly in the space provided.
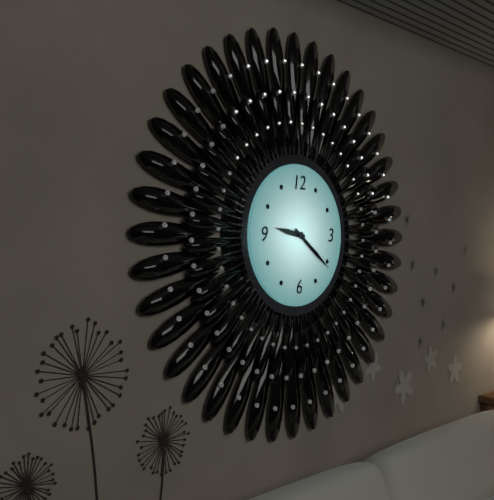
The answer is 9:21
